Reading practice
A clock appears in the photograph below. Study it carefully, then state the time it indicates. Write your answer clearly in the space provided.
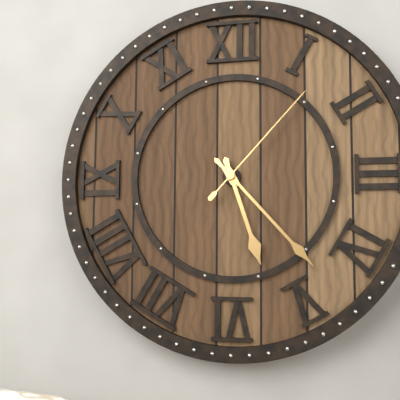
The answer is 5:23:07
